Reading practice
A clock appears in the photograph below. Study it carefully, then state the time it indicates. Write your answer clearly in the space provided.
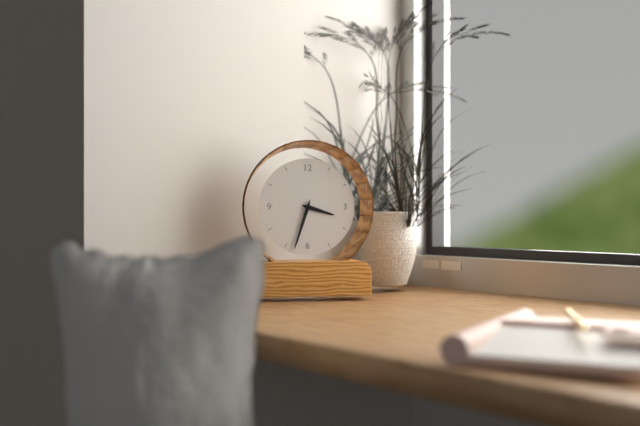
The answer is 3:33
